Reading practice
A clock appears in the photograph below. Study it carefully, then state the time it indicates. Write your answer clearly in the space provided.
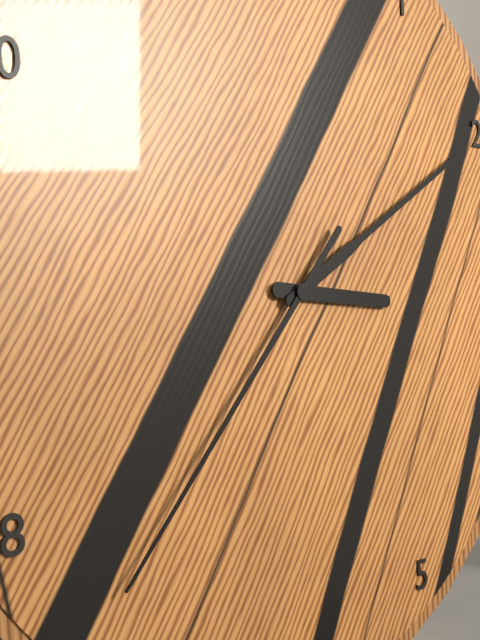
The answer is 3:10:37
